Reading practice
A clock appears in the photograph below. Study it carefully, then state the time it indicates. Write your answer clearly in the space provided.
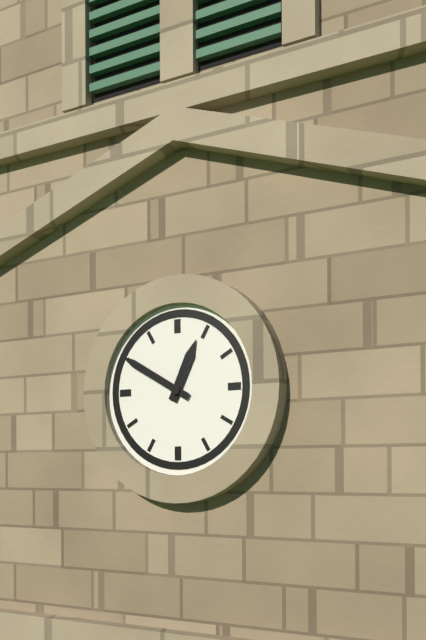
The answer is 12:50
